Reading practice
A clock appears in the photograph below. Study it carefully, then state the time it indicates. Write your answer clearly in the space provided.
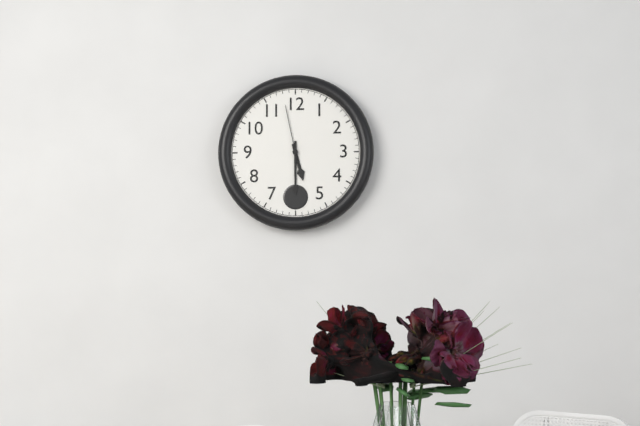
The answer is 5:30:58
